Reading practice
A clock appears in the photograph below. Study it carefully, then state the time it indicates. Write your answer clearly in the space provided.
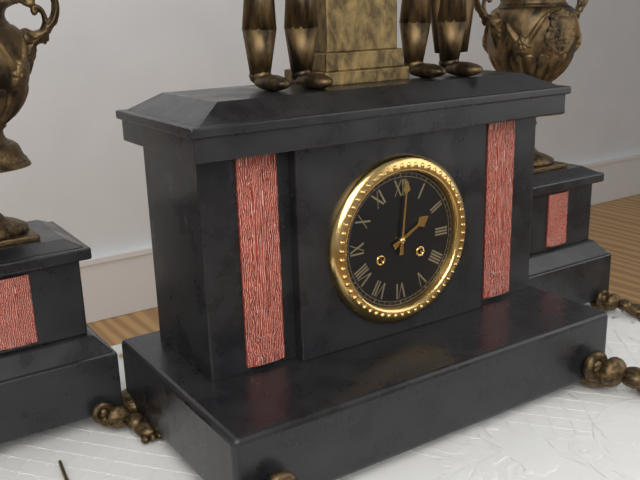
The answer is 2:01
